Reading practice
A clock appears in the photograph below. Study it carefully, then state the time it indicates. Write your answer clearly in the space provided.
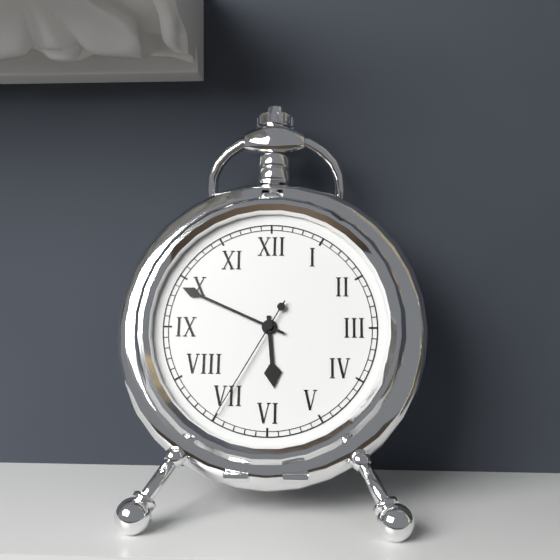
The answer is 5:49:35
